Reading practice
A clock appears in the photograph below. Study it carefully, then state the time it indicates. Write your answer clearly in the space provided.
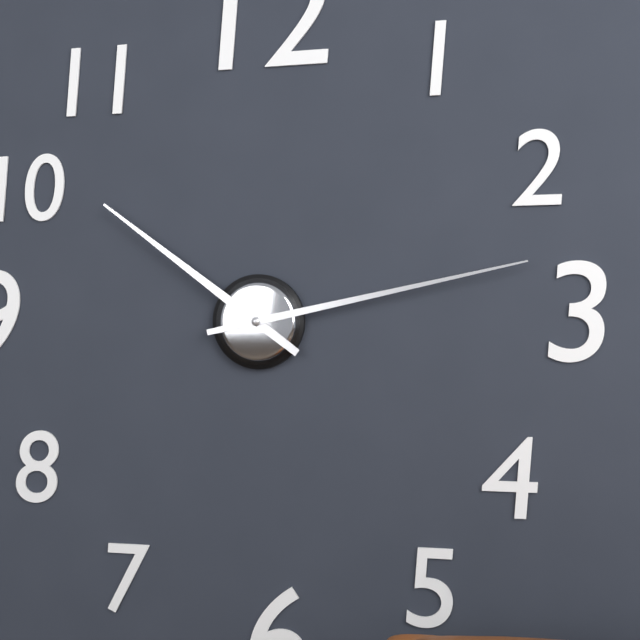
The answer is 10:13
